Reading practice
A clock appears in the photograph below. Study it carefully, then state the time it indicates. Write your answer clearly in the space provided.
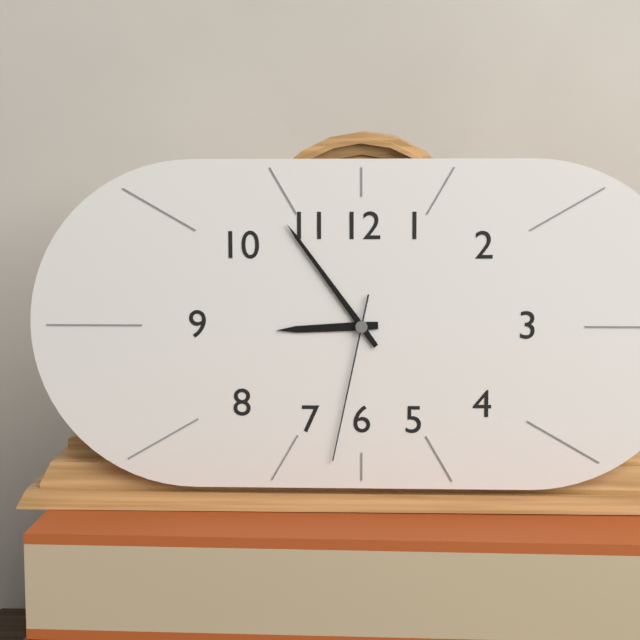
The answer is 8:54:32
